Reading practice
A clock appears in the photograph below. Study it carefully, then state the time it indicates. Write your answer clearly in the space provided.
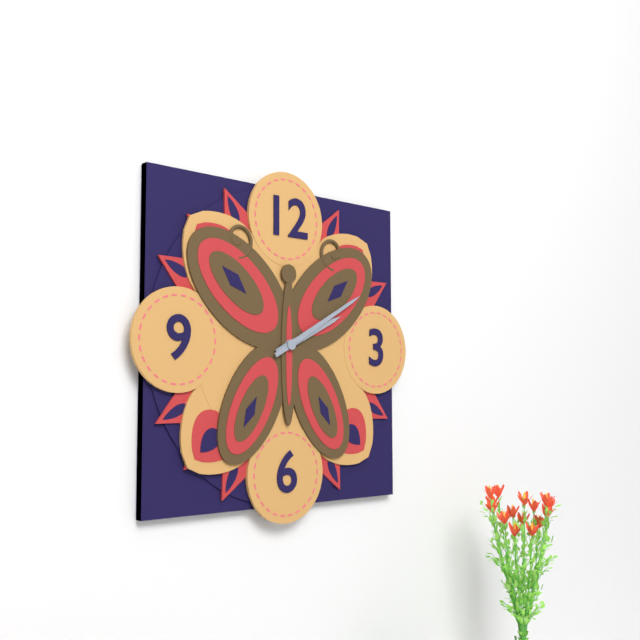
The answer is 2:10
